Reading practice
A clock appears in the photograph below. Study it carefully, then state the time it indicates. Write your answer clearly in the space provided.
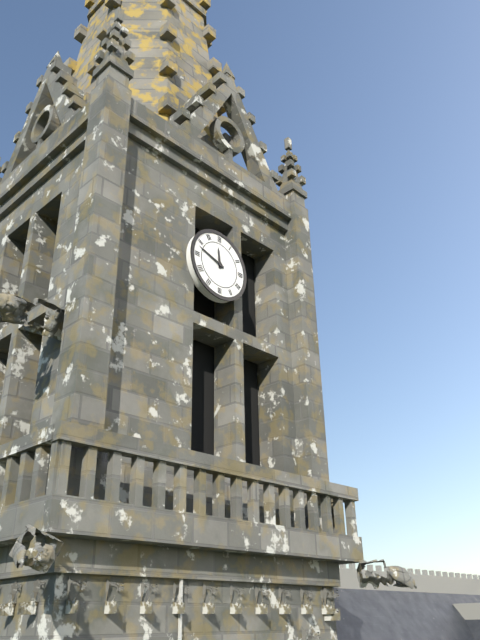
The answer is 11:48
